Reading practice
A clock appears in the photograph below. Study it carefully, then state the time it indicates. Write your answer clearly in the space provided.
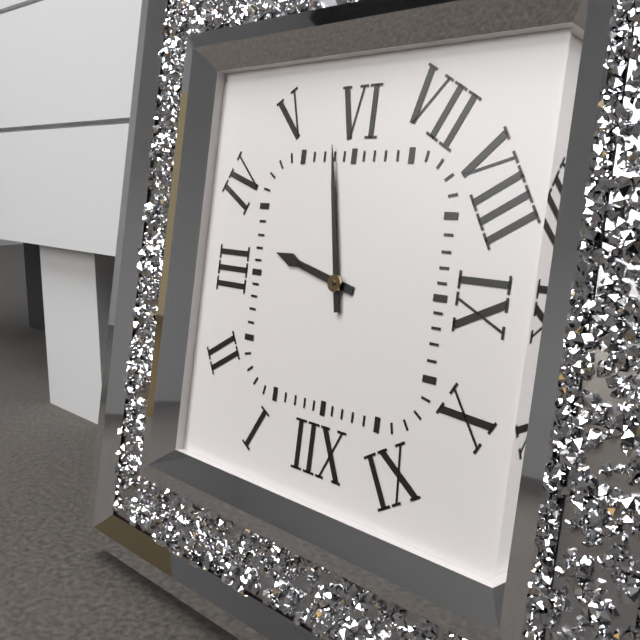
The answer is 3:28
